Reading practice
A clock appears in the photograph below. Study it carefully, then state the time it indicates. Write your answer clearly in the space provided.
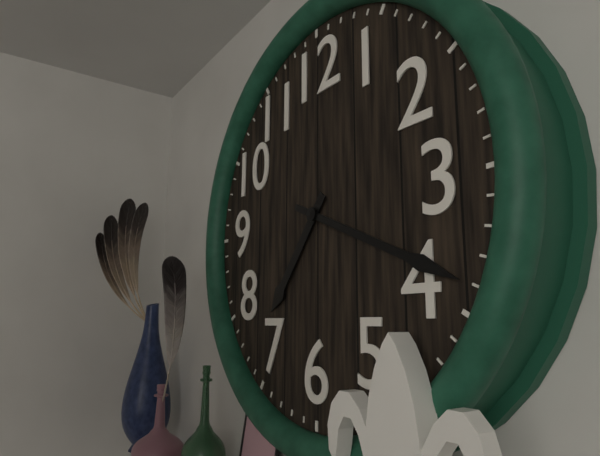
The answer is 7:19
